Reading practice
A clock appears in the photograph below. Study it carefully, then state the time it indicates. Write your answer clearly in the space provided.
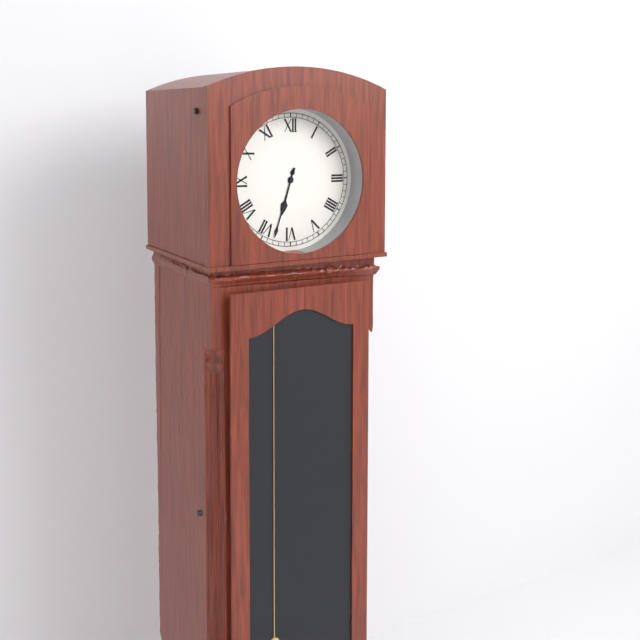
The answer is 6:33
